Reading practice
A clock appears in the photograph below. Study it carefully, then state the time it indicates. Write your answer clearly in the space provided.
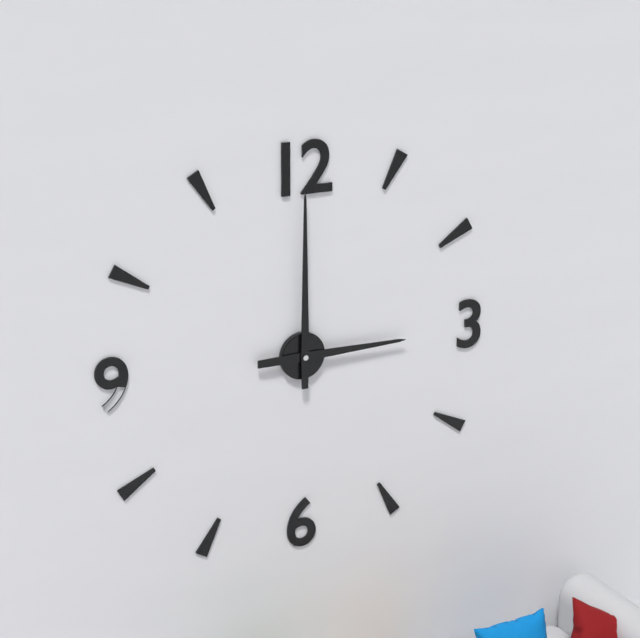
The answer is 3:00
